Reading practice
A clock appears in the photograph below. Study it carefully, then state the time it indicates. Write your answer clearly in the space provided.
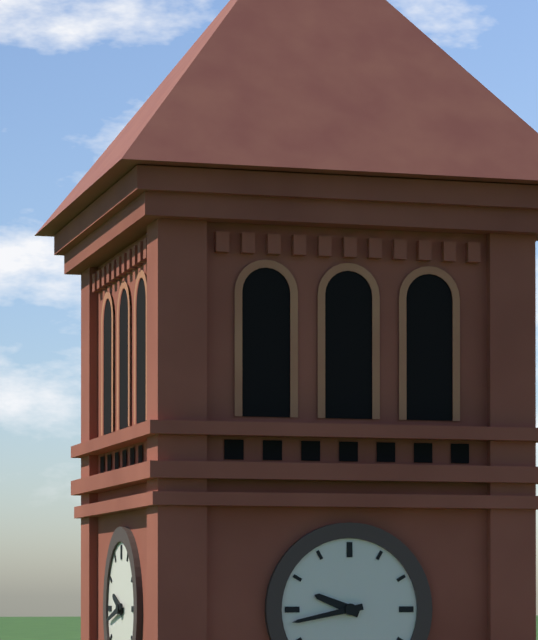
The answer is 9:43
